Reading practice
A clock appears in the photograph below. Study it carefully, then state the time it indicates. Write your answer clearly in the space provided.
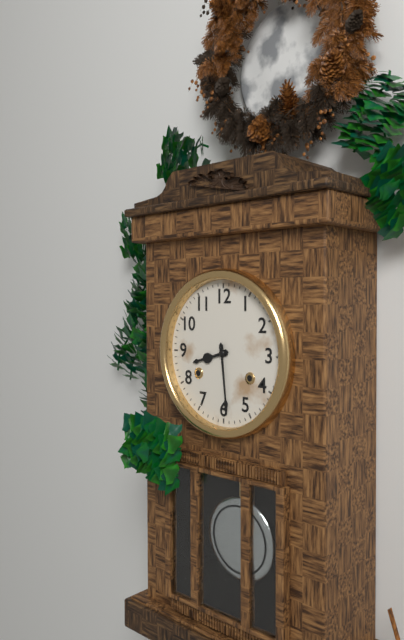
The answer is 8:29
